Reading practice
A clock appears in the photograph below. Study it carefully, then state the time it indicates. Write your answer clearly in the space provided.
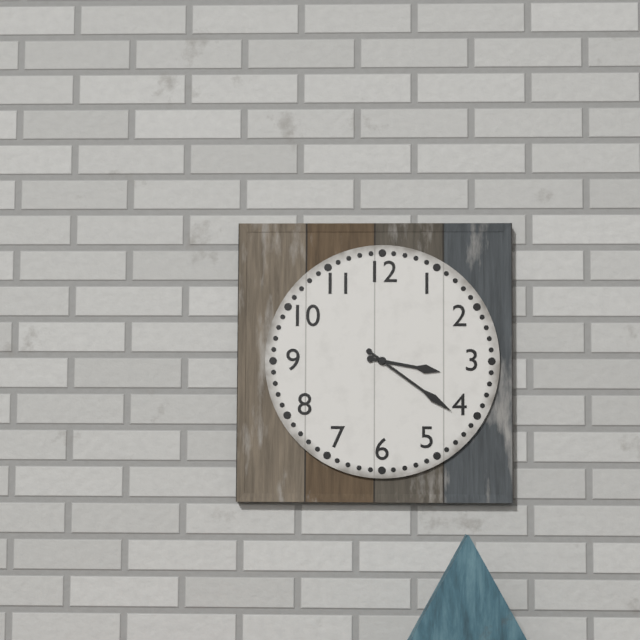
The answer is 3:21
